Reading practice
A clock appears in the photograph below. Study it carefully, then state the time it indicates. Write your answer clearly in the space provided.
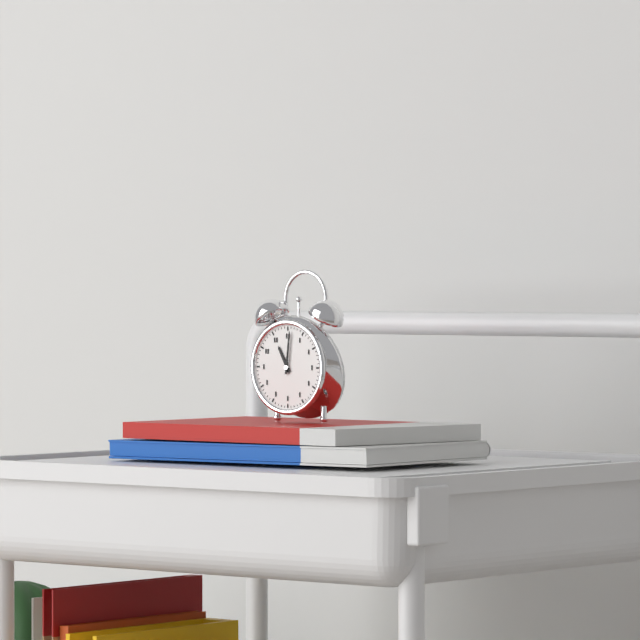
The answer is 11:01
